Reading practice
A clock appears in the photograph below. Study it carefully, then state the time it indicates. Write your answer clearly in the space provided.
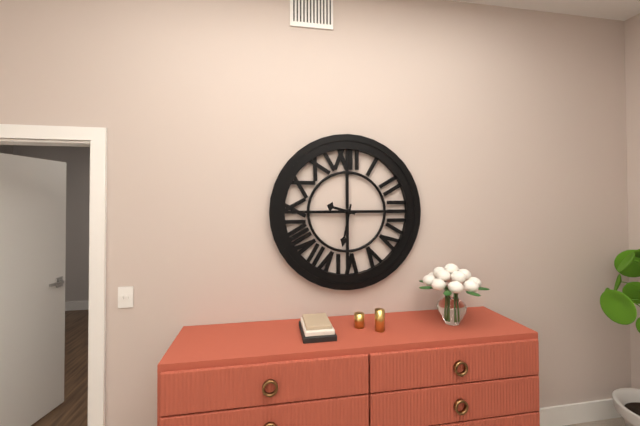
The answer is 9:32
